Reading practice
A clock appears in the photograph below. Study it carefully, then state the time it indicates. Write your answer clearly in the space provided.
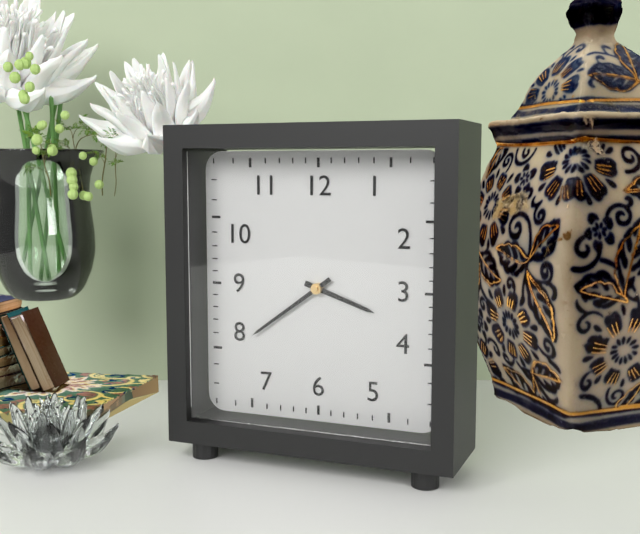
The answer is 3:39
